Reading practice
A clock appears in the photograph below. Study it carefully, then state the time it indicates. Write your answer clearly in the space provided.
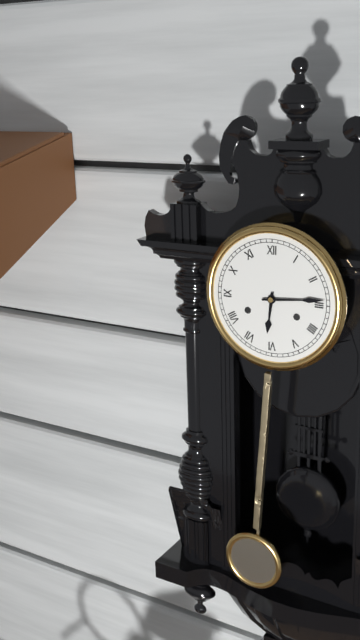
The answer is 6:14
